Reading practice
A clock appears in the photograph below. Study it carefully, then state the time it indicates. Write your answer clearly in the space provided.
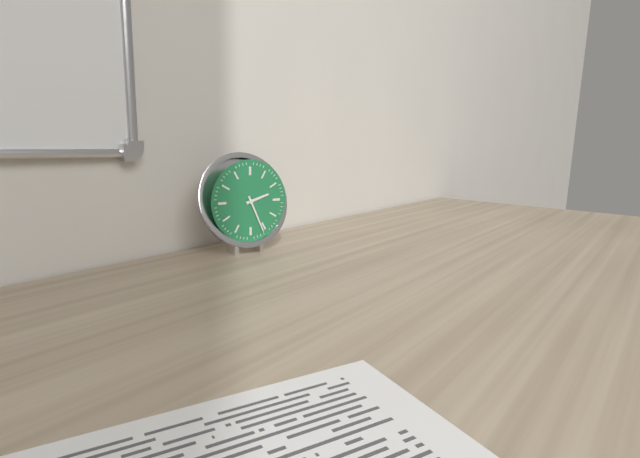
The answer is 2:26
